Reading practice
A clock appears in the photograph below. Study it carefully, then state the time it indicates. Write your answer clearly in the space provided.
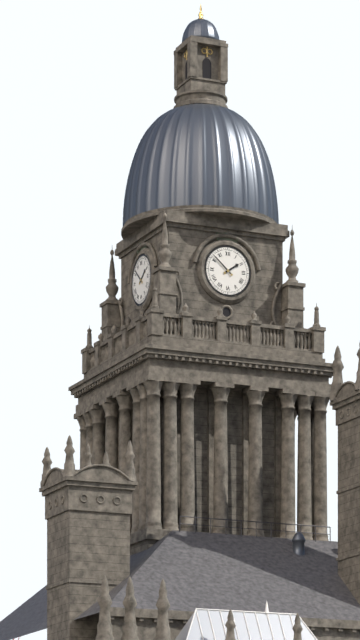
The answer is 1:52
